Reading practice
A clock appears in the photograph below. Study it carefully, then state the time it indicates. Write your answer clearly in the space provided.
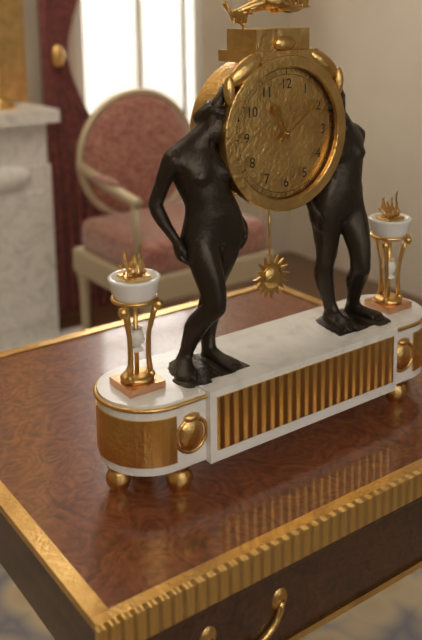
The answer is 11:09
